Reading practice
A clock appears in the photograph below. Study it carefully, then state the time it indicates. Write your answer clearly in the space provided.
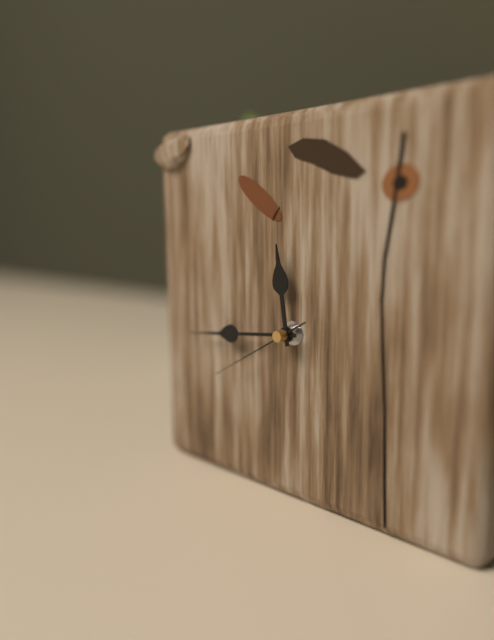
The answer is 11:44:40
